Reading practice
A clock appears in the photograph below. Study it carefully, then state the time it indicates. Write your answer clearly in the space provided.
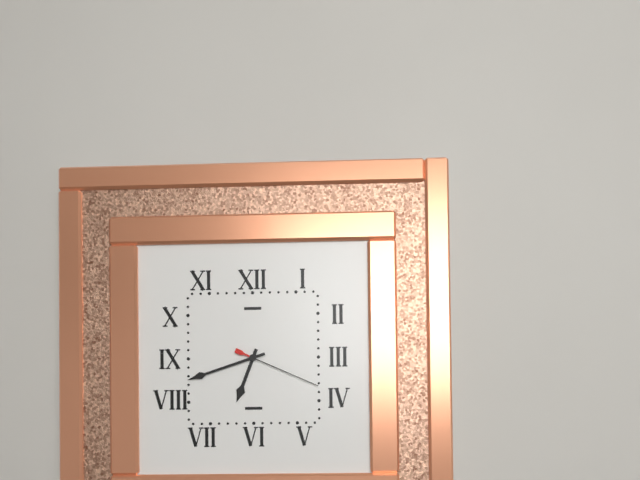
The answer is 6:42:19
